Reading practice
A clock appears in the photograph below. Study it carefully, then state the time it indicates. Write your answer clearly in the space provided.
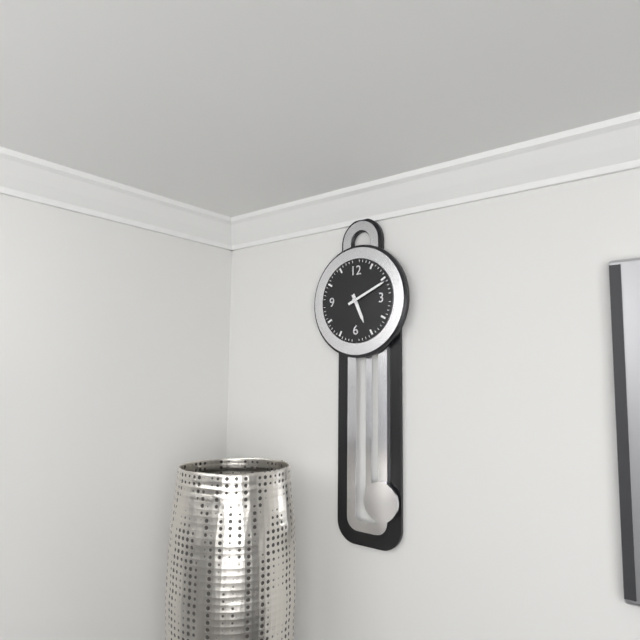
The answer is 5:11
